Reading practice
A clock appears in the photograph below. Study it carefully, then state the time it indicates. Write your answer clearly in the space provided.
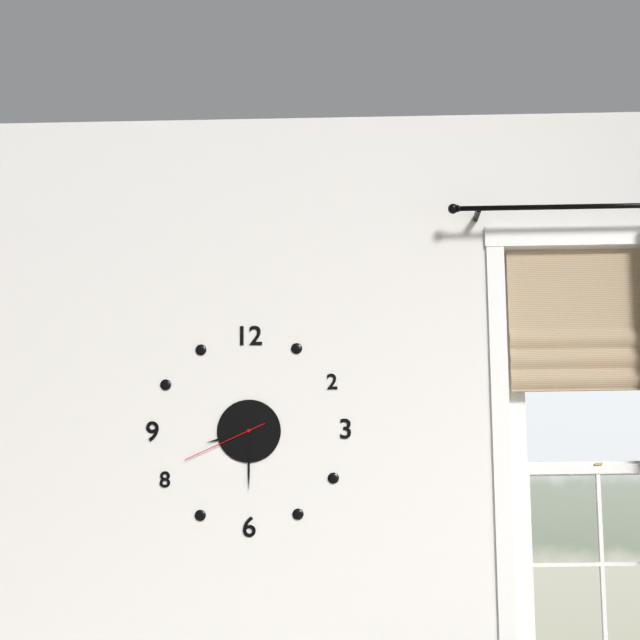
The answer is 8:30:41
